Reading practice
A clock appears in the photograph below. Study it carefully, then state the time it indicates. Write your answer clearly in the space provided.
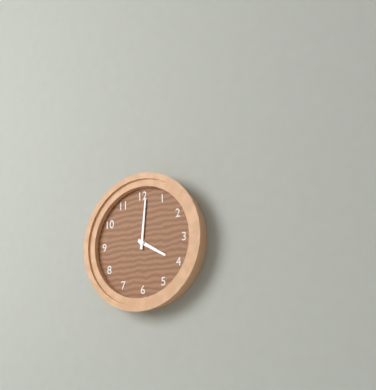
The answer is 4:01
